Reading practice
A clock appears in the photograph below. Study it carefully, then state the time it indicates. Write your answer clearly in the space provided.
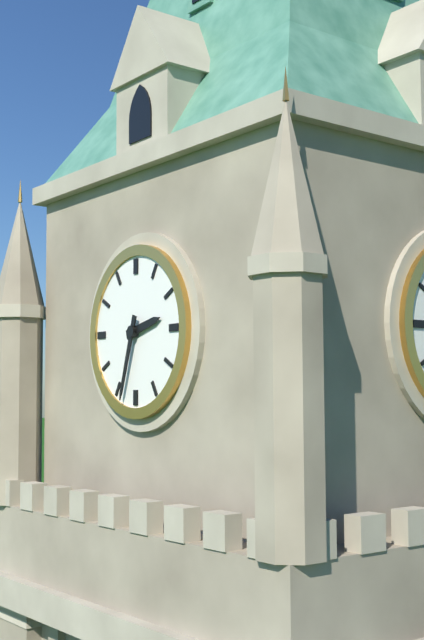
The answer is 2:33
